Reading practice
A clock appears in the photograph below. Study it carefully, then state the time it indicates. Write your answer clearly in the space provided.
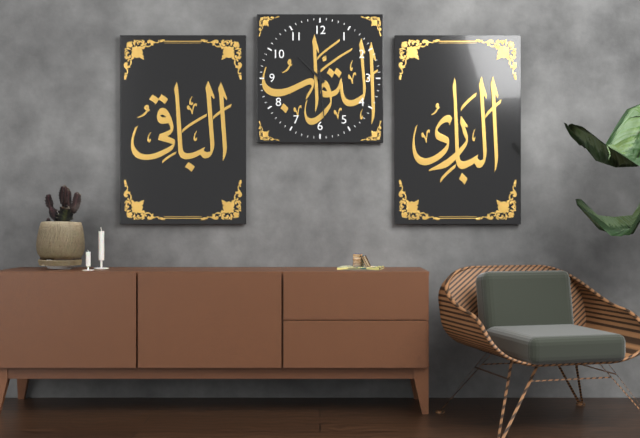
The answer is 10:29
